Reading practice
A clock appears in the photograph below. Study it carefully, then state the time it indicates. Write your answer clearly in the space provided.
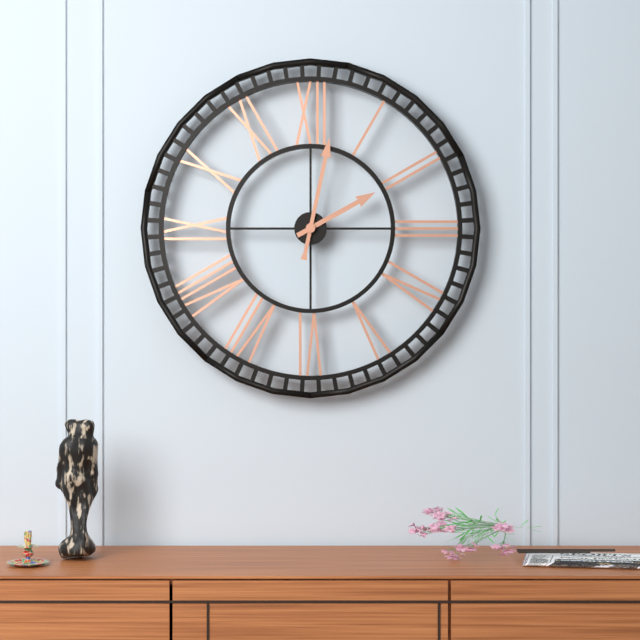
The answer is 2:02
